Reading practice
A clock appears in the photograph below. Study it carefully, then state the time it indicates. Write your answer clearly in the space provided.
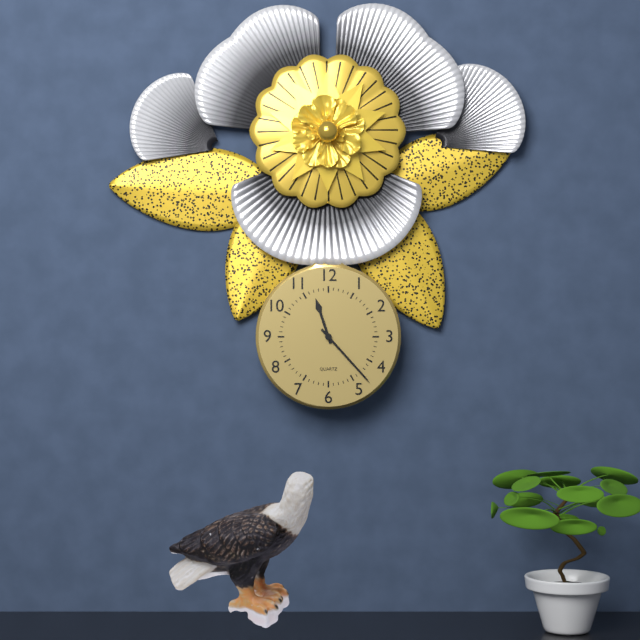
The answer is 11:23
